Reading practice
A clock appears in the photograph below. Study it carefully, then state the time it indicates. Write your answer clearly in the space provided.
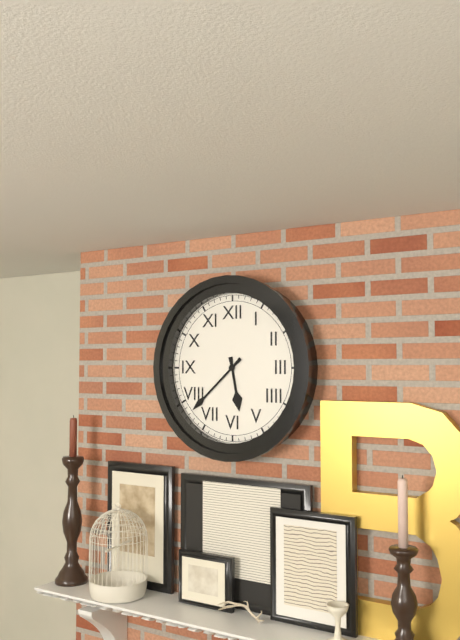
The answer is 5:38
